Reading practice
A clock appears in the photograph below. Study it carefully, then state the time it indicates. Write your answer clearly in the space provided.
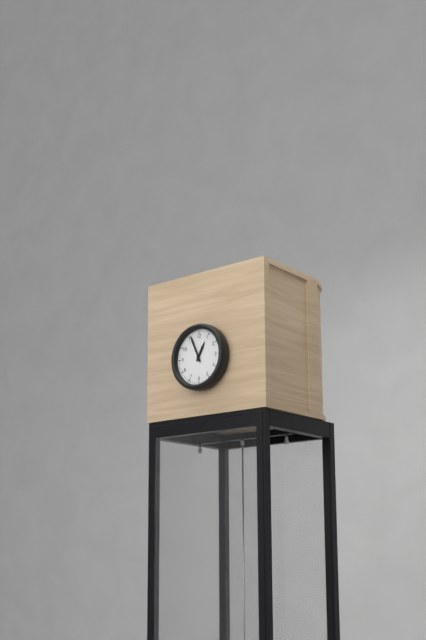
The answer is 12:56
